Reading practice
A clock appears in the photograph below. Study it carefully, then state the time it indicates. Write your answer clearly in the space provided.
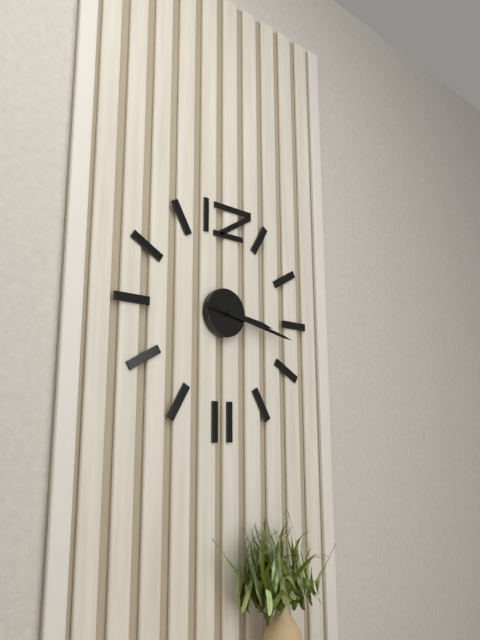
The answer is 3:17
